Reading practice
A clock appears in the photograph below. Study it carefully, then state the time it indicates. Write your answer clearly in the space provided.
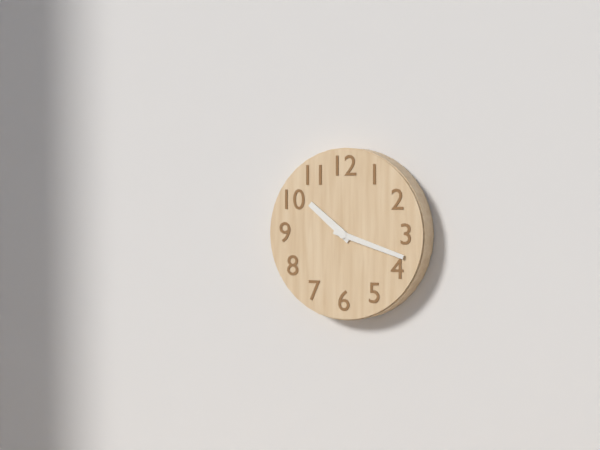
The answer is 10:18
